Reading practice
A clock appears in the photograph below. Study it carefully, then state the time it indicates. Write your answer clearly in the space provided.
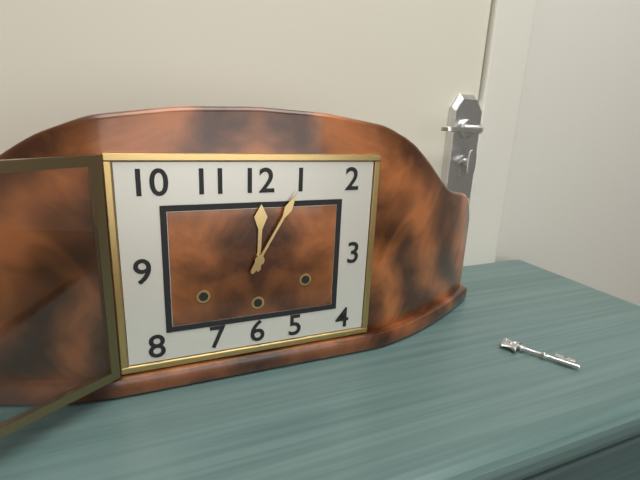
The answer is 12:05
